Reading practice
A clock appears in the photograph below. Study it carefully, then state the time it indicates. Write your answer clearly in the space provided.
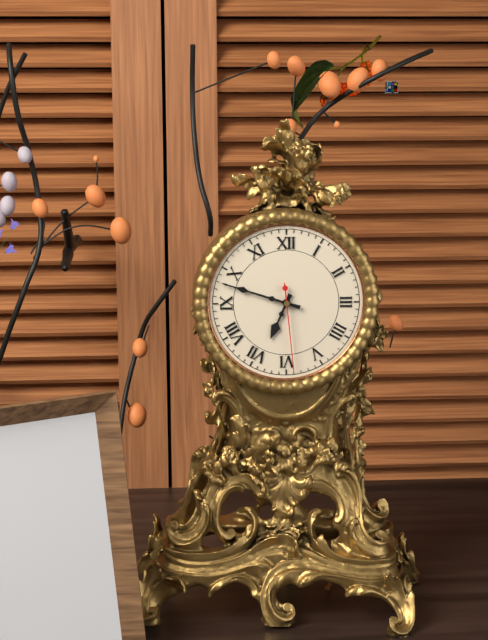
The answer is 6:48:29
